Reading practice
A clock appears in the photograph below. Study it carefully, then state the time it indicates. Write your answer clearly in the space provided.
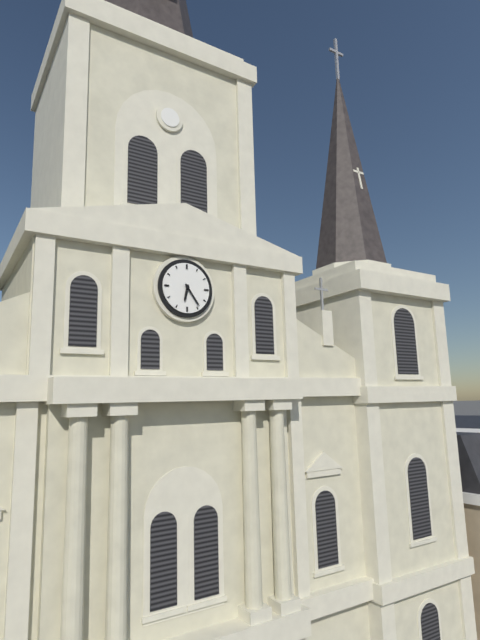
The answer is 6:24
